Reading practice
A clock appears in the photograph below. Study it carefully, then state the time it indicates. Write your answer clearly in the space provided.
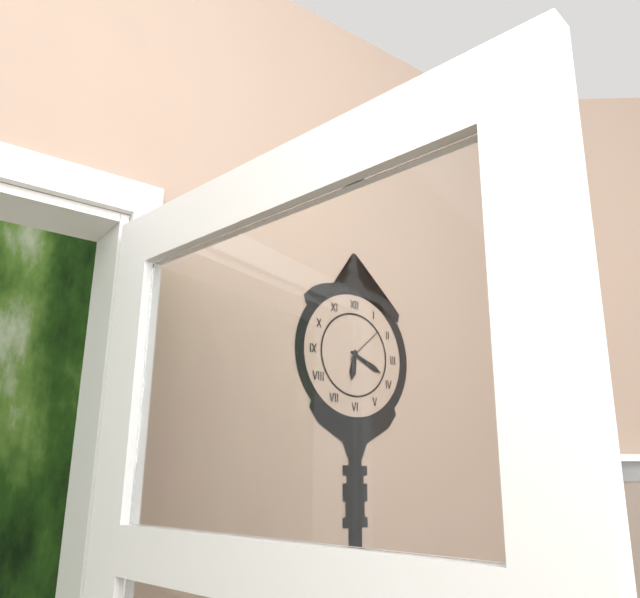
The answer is 6:19
